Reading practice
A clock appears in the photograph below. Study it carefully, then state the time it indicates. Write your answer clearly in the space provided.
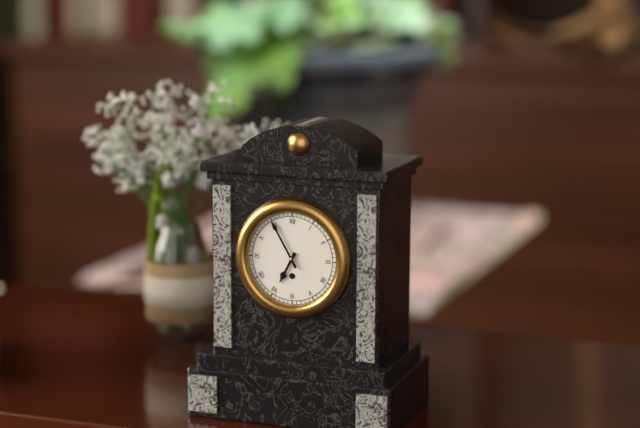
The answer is 6:55
